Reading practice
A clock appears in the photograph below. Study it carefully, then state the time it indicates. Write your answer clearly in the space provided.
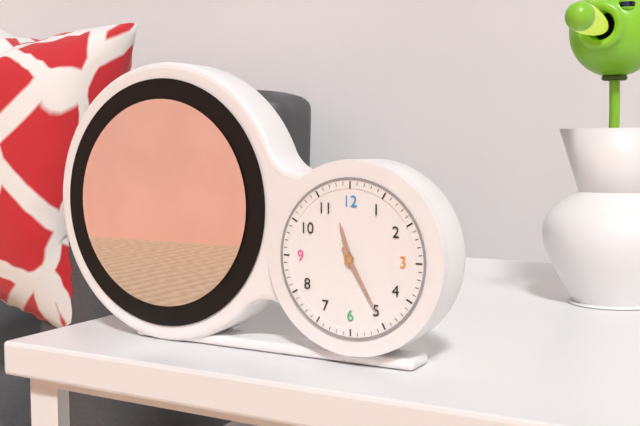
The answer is 11:25
